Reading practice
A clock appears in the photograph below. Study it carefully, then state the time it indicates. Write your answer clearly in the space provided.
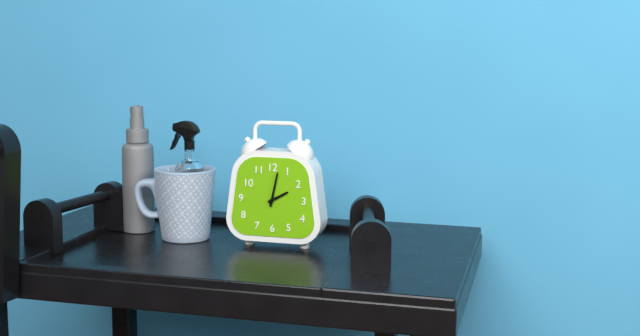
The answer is 2:02
